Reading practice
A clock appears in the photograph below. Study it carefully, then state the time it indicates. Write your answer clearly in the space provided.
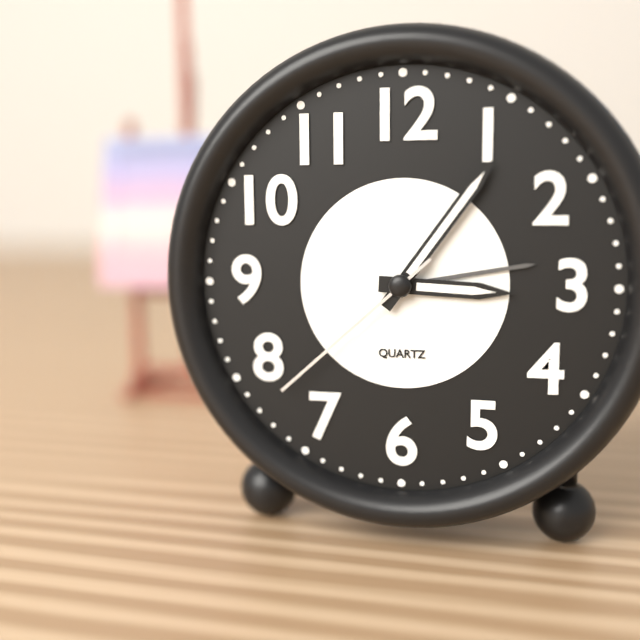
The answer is 3:06:38
